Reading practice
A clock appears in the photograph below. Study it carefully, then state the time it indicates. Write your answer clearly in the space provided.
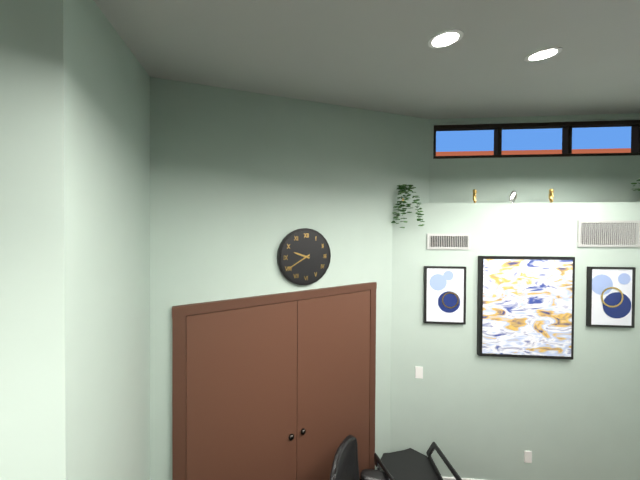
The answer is 9:40
